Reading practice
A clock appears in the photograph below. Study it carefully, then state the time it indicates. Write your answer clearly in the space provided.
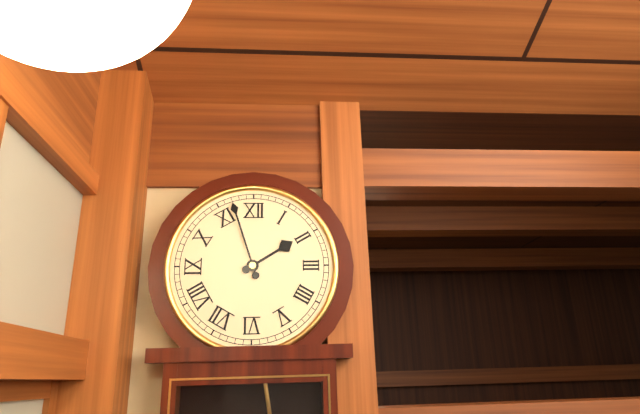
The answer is 1:57
